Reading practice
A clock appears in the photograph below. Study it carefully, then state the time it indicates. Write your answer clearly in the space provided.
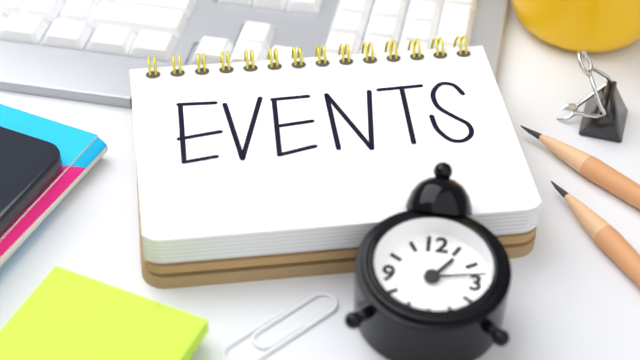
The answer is 1:13
